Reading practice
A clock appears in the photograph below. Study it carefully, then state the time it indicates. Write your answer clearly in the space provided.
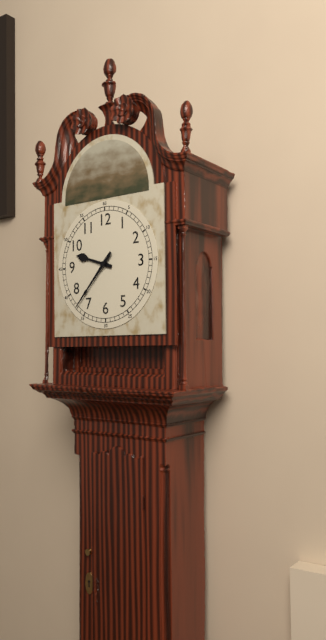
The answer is 9:37
